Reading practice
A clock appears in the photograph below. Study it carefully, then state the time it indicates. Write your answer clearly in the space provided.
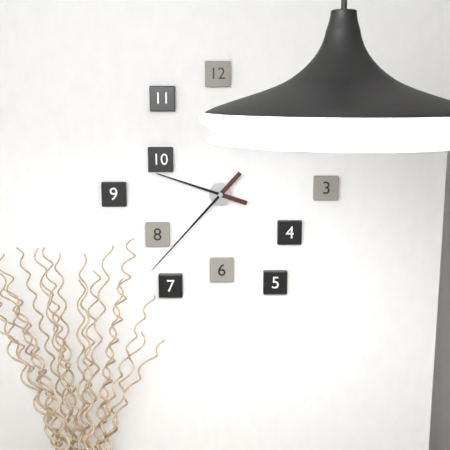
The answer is 9:37
